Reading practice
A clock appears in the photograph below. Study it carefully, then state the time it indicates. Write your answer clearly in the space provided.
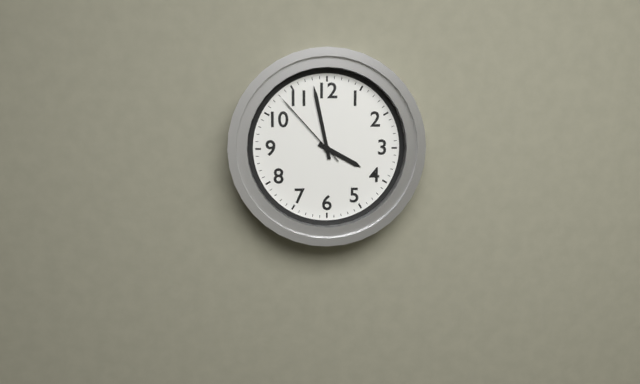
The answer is 3:58:53
